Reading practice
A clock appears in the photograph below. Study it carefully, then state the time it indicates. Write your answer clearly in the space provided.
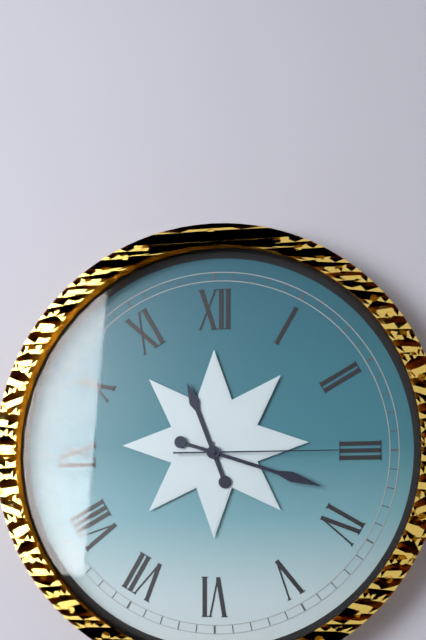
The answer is 11:18:15
